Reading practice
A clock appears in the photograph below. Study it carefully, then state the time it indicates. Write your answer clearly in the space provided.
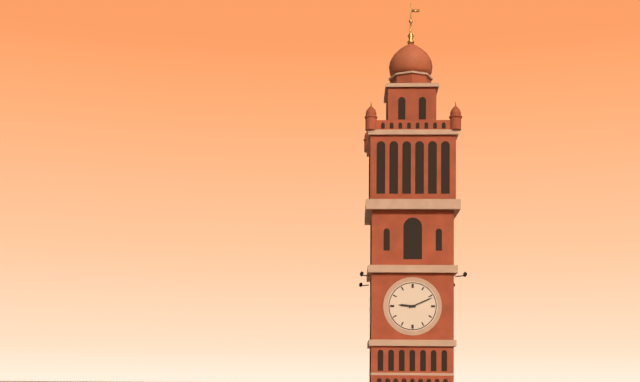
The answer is 9:11
